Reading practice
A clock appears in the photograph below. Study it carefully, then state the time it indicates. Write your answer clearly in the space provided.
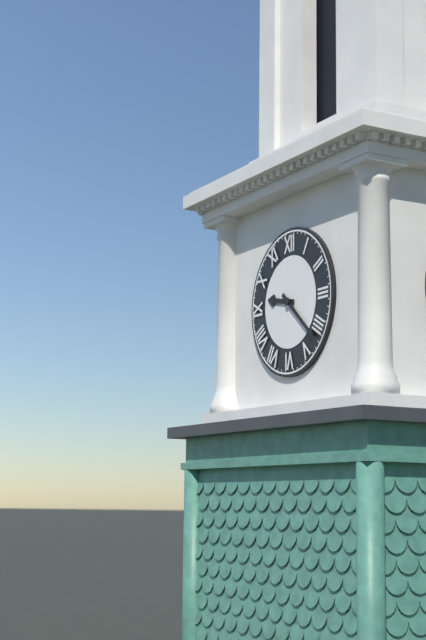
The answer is 9:22
